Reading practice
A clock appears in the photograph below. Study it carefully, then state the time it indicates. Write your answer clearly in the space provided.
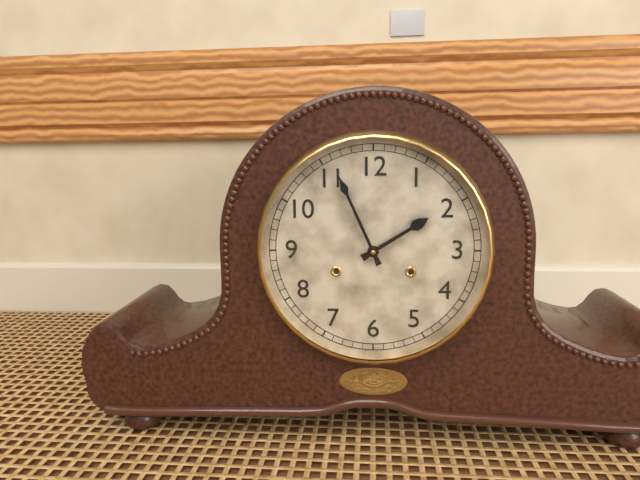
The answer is 1:56
